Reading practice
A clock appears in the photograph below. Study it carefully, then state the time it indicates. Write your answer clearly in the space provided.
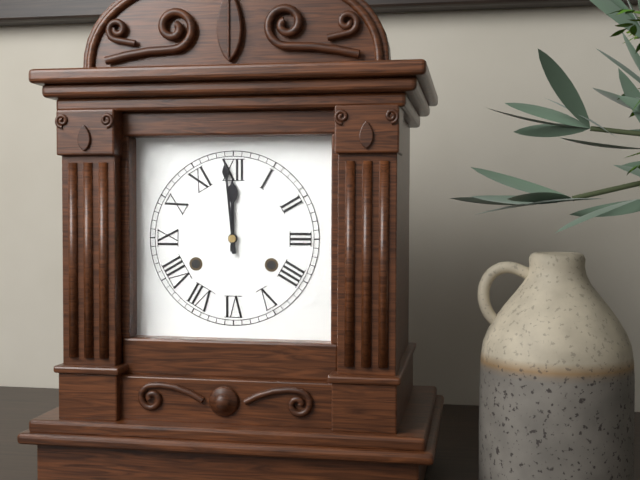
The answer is 11:59
